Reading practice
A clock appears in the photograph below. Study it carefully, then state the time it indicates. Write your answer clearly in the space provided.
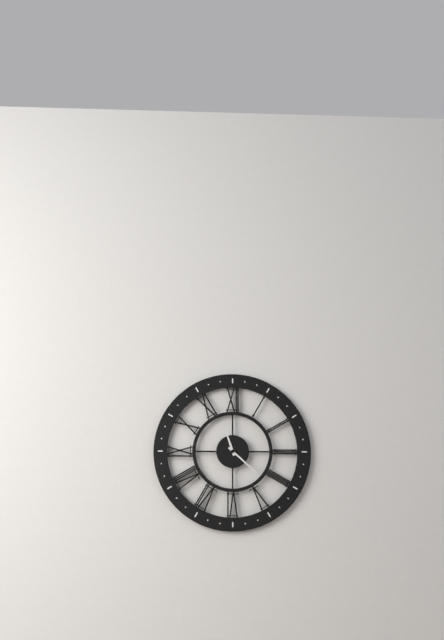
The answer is 11:22
